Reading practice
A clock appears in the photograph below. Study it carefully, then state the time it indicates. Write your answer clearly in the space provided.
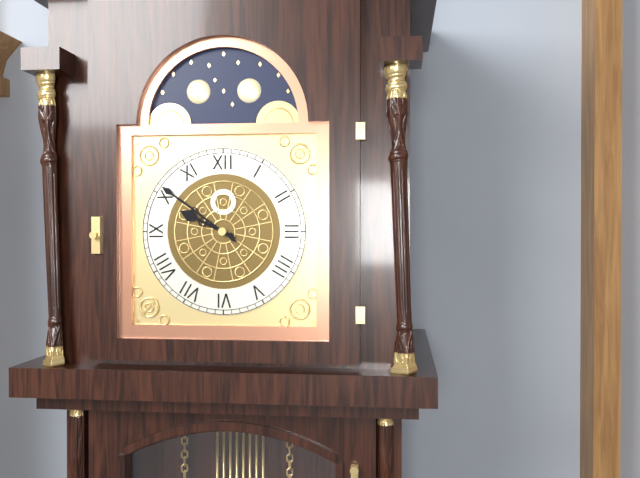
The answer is 9:51
